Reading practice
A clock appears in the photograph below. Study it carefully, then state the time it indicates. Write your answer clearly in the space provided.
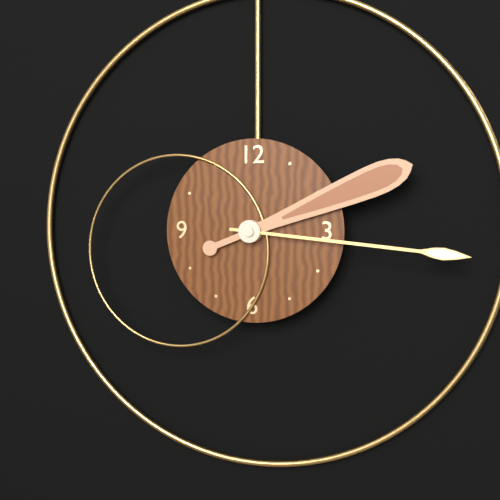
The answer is 2:16
